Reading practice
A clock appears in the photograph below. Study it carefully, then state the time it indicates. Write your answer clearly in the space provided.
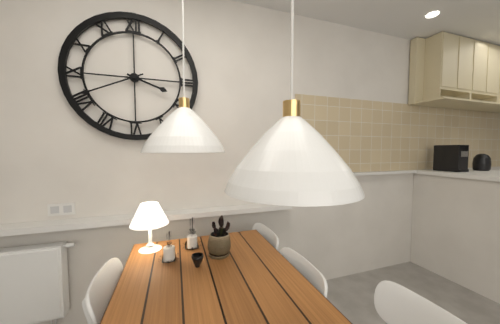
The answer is 3:41
